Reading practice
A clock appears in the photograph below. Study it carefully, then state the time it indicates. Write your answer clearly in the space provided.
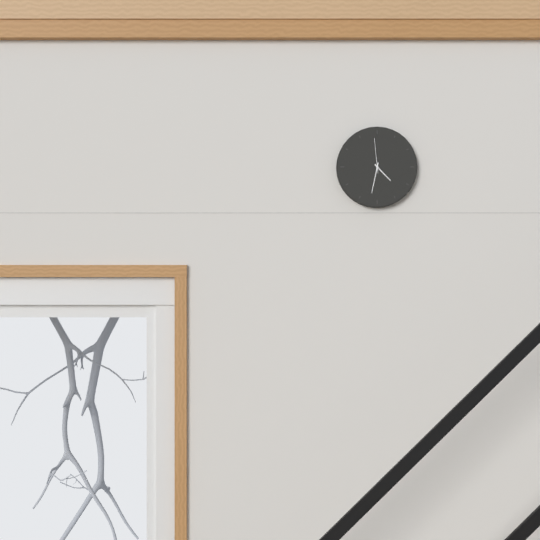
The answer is 4:32
